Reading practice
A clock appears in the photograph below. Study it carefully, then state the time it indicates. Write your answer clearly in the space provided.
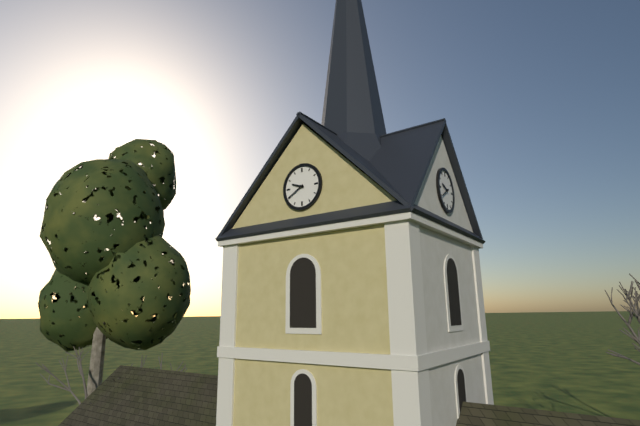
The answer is 9:40
